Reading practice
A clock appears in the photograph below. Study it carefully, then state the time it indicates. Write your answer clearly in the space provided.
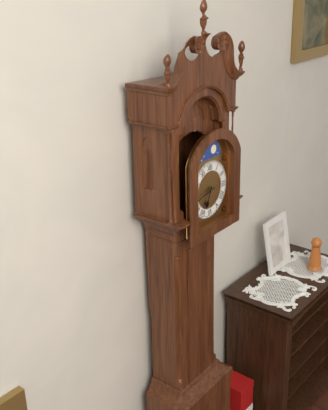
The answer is 6:43
